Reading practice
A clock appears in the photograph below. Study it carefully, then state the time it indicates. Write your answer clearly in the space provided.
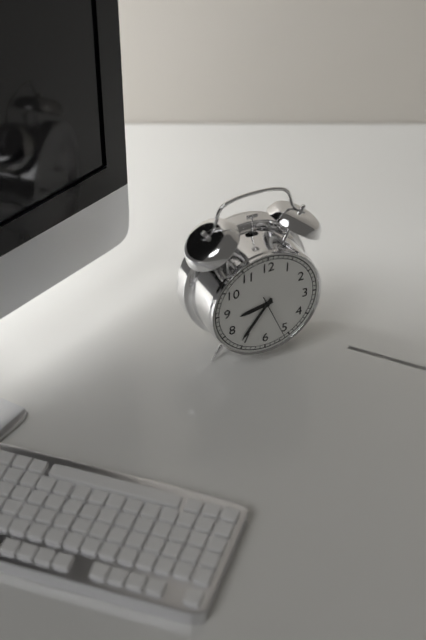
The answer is 8:36
